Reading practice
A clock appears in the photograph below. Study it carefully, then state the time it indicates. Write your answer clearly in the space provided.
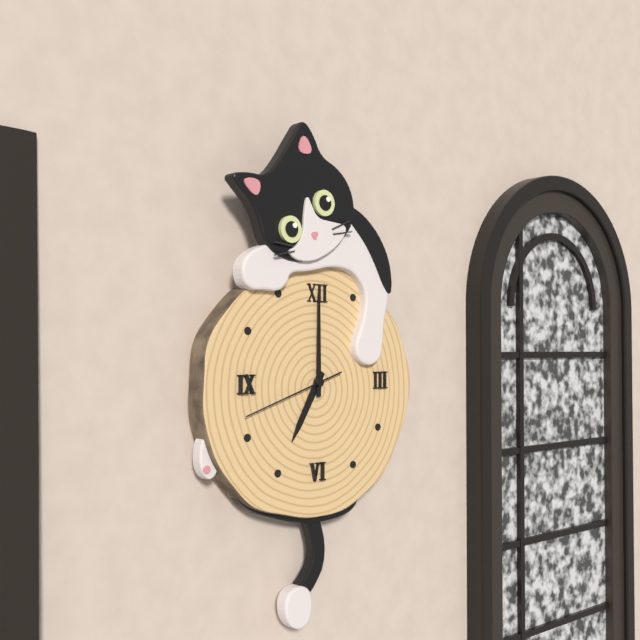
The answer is 7:00:42
